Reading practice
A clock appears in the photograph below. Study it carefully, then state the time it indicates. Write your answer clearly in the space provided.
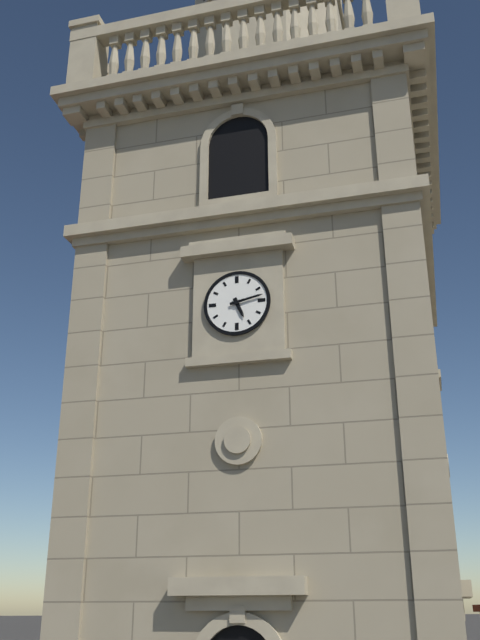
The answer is 5:13
